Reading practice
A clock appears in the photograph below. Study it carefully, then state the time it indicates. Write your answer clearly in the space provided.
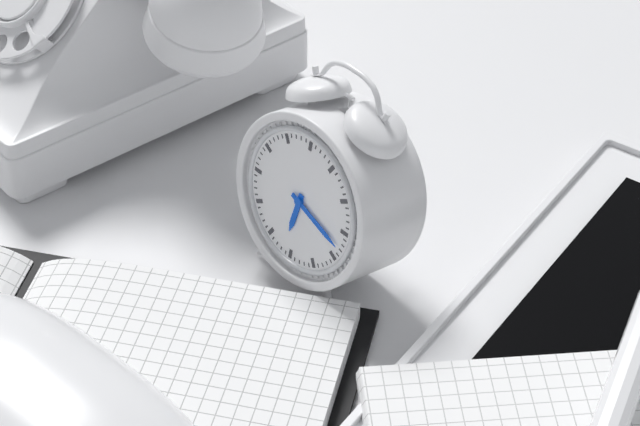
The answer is 6:18
